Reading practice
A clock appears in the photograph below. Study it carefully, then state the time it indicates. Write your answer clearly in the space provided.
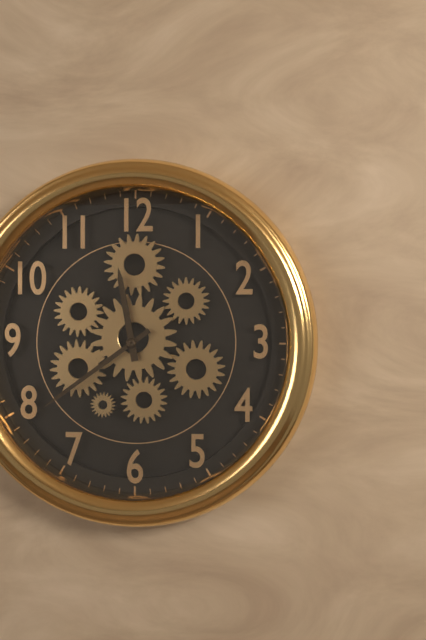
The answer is 11:39
